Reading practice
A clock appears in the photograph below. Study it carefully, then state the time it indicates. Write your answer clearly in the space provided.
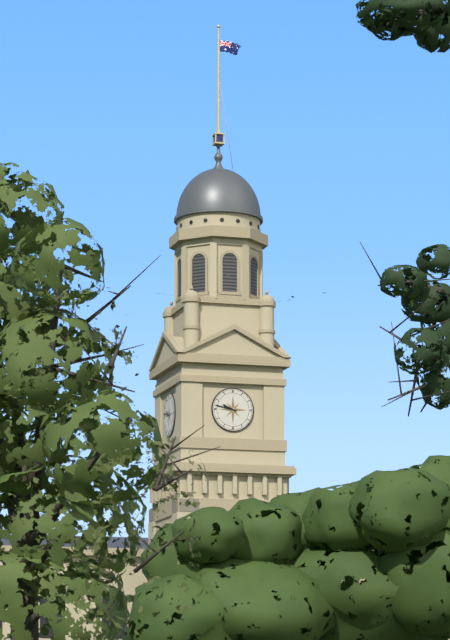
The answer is 9:47
